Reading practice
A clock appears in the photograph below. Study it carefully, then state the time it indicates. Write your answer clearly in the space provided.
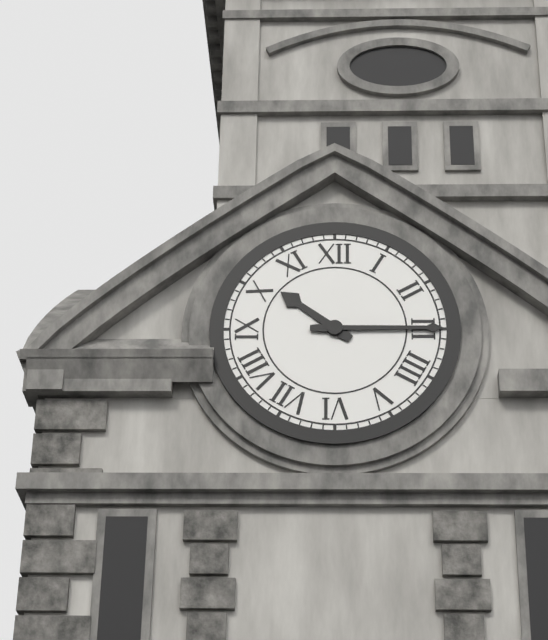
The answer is 10:15
